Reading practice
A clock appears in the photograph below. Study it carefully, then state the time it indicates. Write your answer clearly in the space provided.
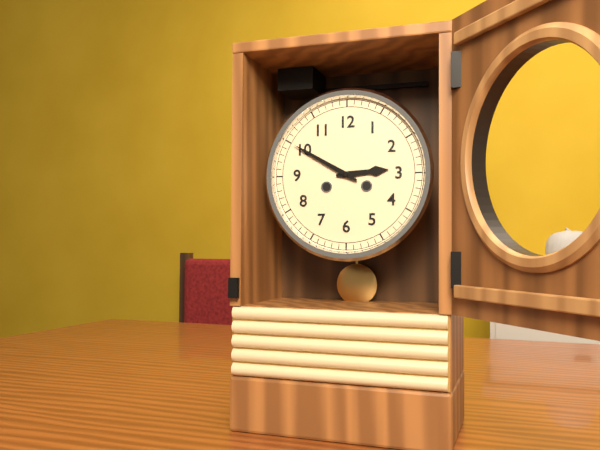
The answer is 2:50
